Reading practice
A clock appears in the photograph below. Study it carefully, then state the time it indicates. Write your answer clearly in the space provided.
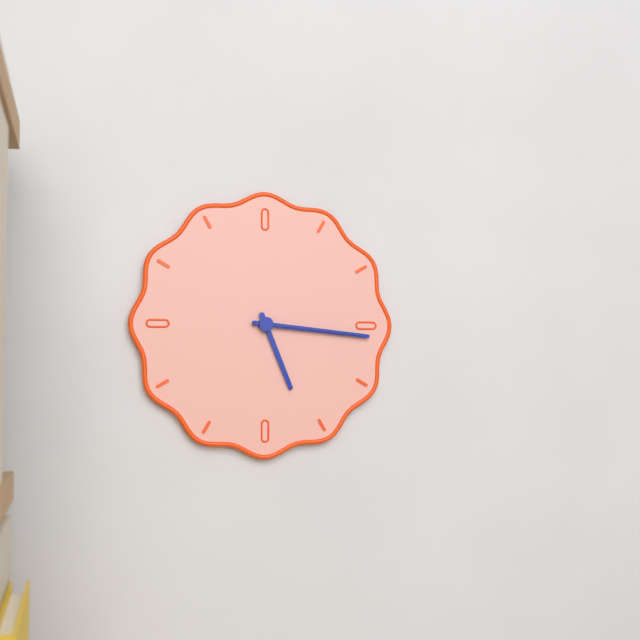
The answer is 5:16:16
